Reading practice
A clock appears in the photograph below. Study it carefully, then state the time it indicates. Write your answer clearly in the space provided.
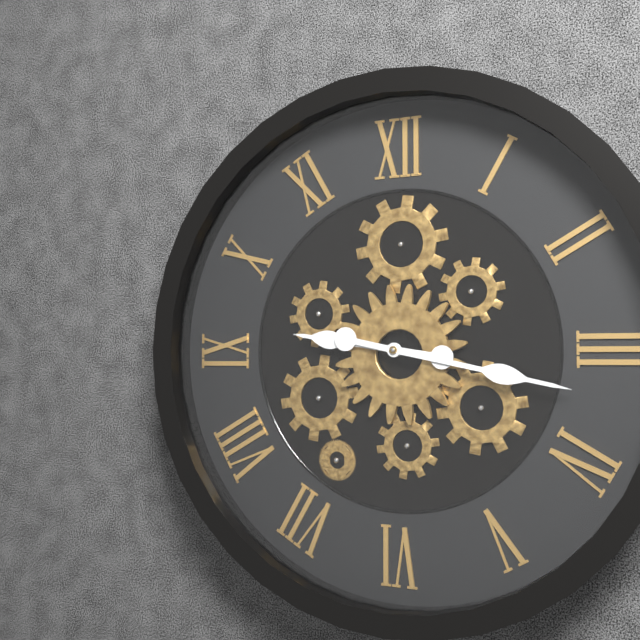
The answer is 9:17
